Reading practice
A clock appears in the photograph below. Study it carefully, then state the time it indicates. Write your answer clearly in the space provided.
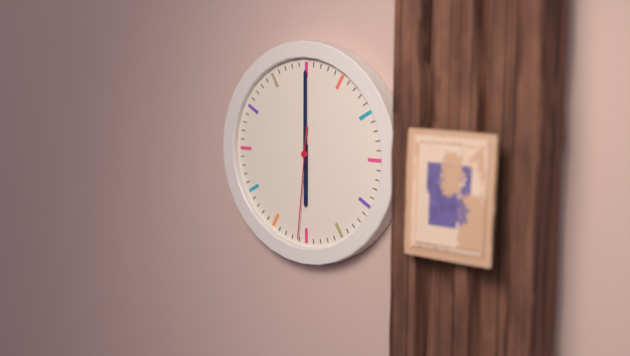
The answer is 6:00:31
